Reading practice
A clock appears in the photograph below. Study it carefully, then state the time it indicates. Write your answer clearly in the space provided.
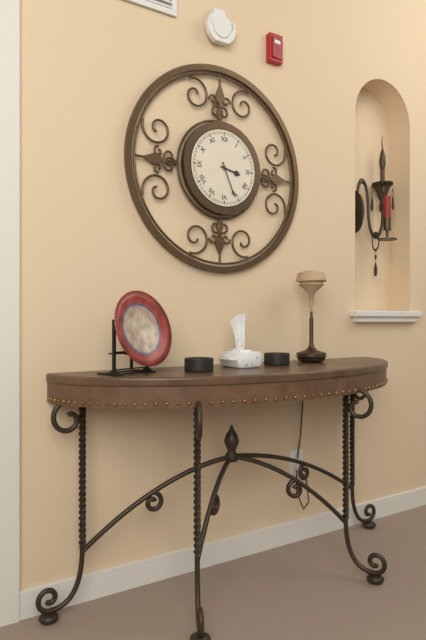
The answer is 3:26
